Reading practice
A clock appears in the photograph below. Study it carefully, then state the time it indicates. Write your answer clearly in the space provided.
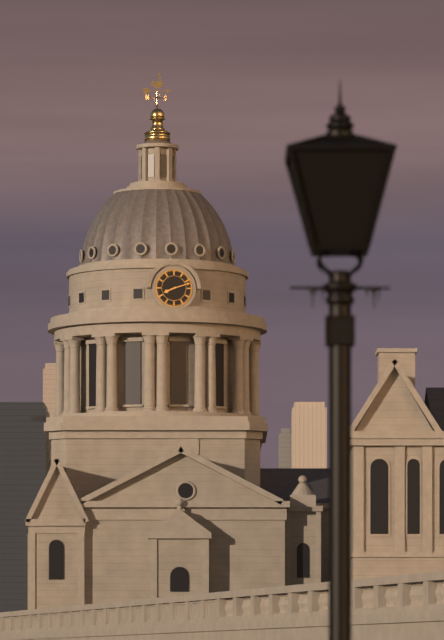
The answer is 8:12
